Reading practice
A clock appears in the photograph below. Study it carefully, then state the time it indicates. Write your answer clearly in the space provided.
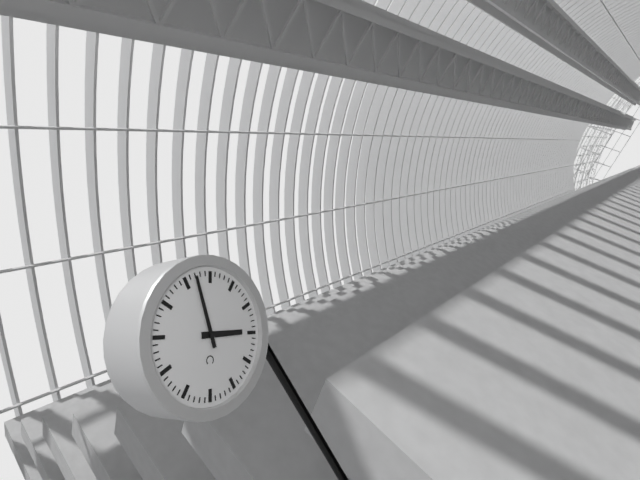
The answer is 2:57
